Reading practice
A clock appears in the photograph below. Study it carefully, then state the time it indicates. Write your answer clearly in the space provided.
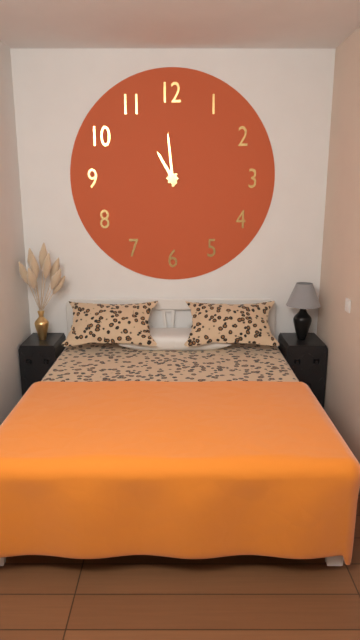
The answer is 10:59
